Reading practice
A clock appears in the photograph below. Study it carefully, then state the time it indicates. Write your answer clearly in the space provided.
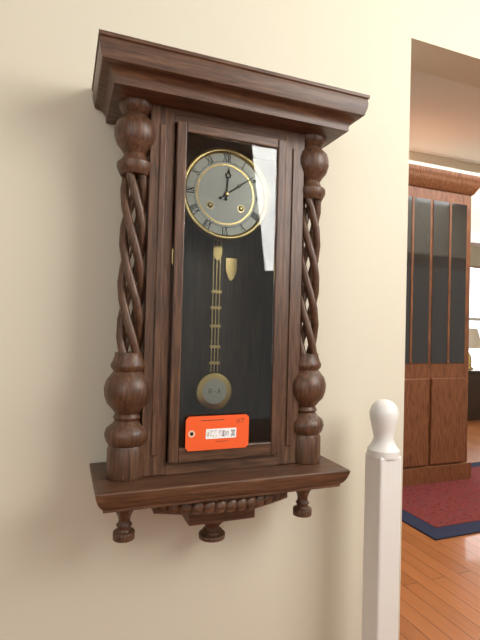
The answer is 12:09
